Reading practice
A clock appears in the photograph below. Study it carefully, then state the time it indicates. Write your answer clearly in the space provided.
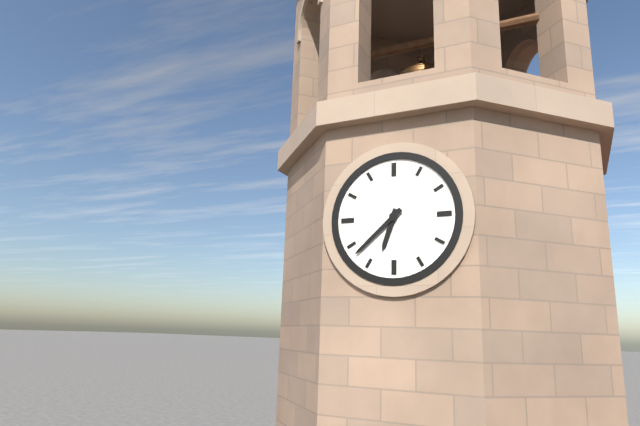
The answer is 6:38
